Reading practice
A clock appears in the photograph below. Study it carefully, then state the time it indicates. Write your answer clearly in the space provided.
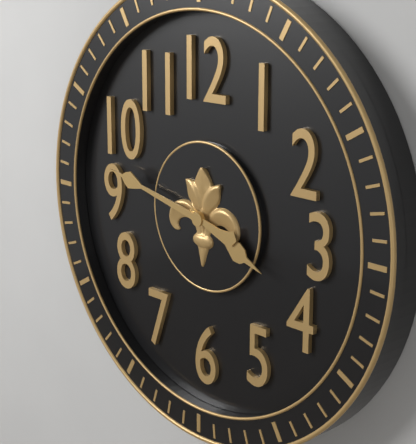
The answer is 3:47
